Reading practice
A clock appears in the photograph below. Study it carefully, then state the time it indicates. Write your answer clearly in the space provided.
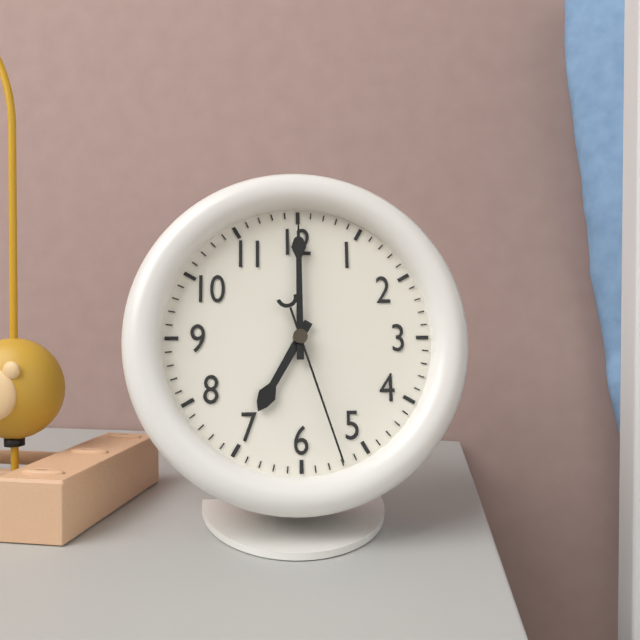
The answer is 7:00:27
